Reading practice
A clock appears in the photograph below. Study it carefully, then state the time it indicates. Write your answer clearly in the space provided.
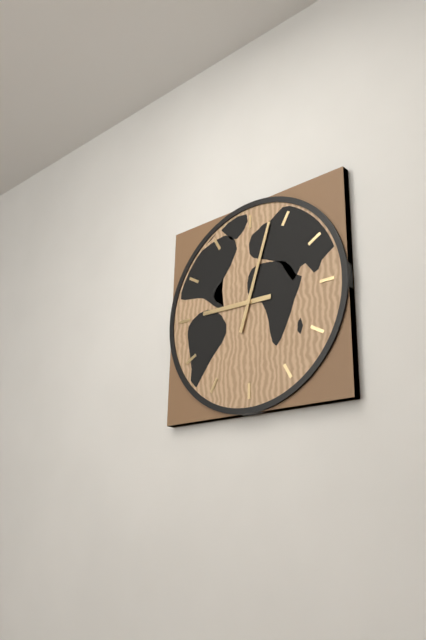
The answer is 9:03
